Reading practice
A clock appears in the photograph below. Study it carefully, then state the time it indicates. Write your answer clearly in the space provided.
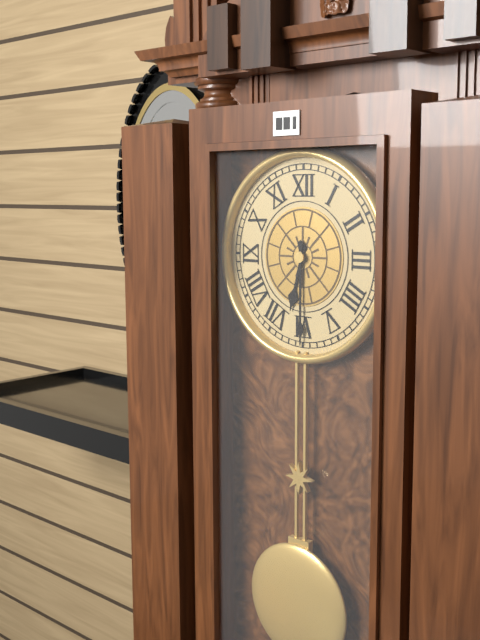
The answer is 6:30
